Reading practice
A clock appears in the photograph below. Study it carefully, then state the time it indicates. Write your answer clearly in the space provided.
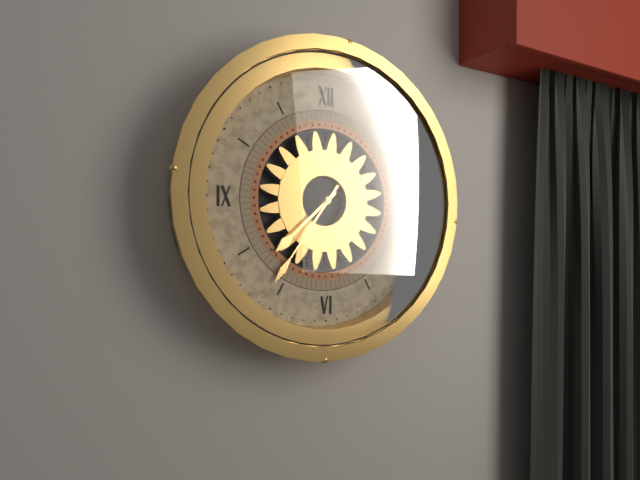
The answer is 7:36
